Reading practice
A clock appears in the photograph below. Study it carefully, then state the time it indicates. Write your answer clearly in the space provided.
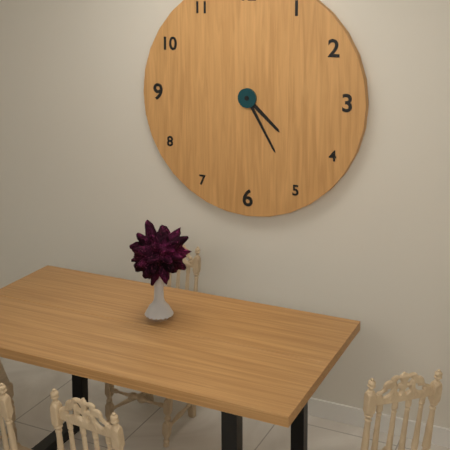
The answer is 4:25
